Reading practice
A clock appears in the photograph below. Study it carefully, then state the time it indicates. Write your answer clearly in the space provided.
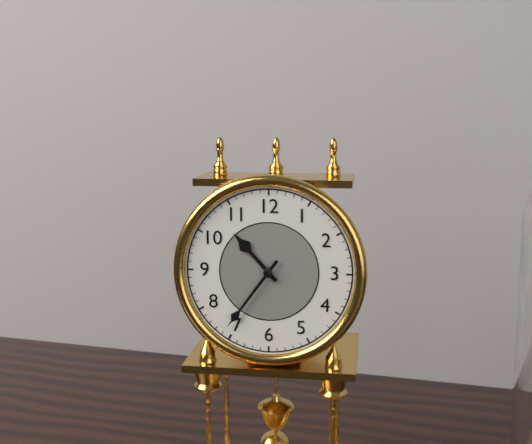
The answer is 10:36
